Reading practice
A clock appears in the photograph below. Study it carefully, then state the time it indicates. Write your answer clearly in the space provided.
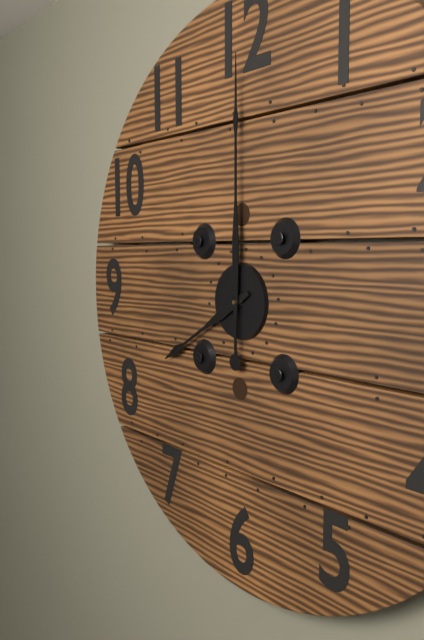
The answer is 8:00
